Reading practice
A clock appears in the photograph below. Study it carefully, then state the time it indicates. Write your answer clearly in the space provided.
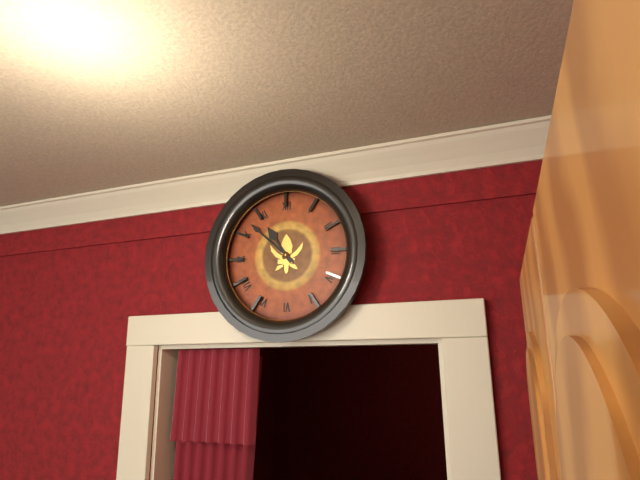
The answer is 10:52
